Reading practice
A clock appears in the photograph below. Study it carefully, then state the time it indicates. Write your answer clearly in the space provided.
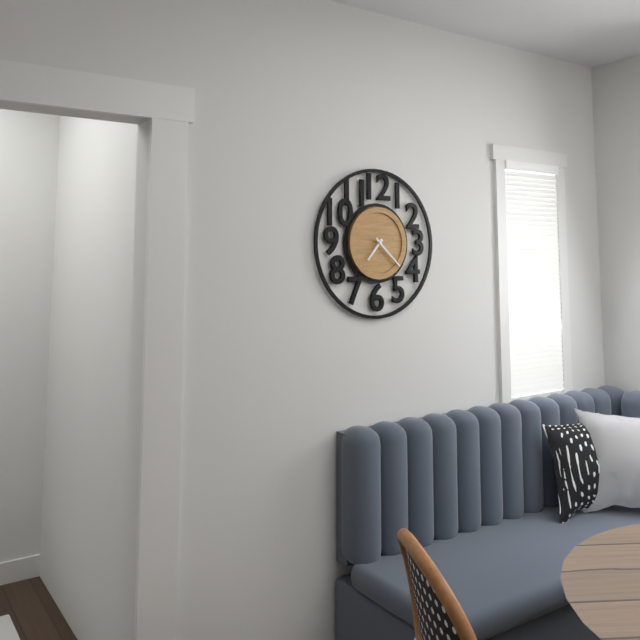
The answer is 7:22
